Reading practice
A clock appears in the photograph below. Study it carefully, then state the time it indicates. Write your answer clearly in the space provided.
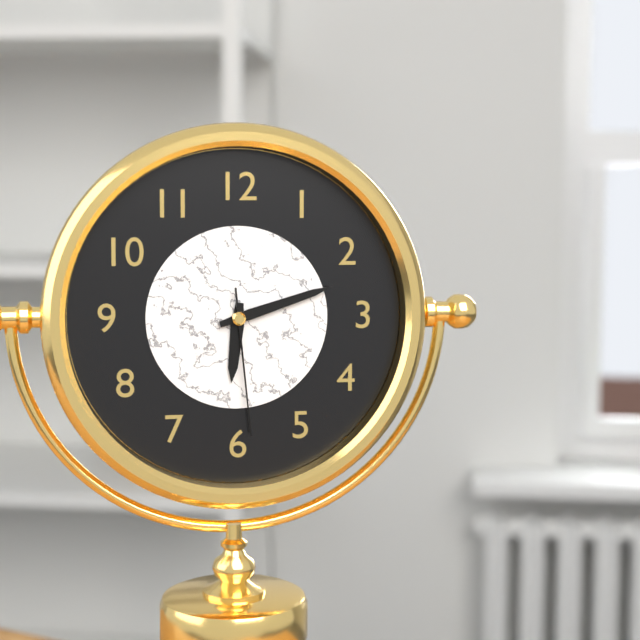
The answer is 6:12:29
